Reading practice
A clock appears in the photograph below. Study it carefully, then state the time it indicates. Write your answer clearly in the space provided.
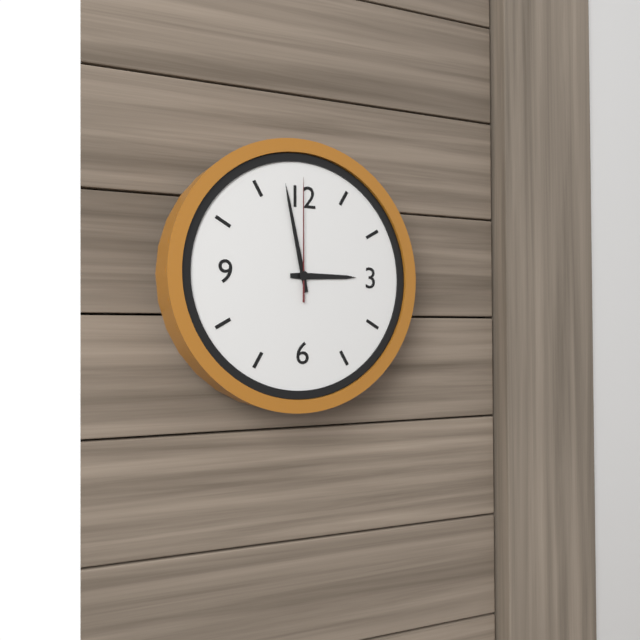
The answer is 2:58:00
